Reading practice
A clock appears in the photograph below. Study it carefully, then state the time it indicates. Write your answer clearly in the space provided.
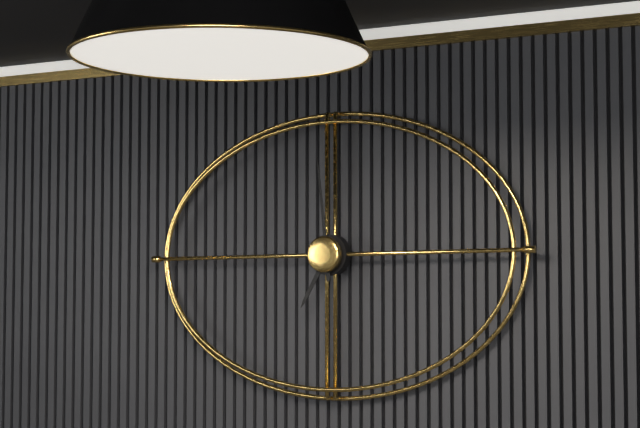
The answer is 6:59
